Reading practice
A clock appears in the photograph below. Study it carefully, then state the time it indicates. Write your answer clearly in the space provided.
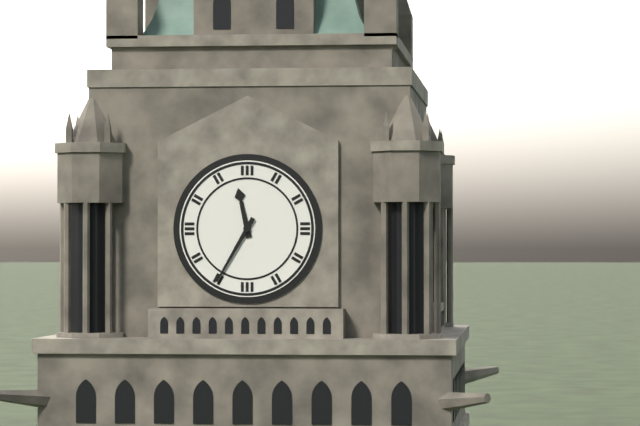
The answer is 11:35
